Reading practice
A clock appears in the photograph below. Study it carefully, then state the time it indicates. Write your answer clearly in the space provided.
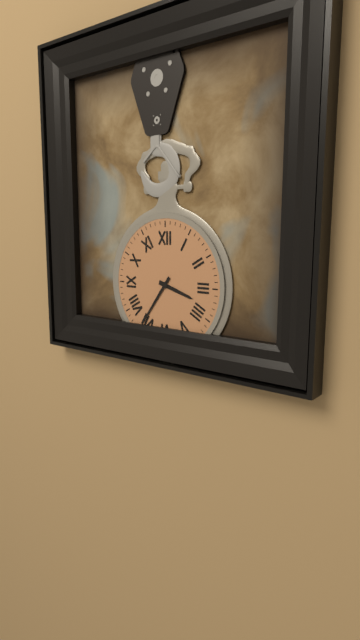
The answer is 3:36
